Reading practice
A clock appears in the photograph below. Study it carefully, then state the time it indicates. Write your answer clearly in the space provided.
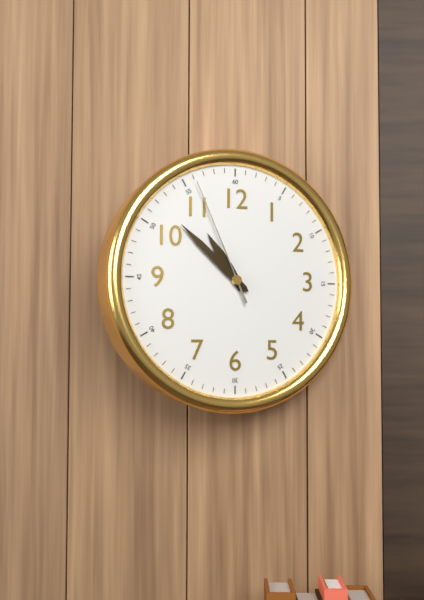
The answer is 10:52:56
